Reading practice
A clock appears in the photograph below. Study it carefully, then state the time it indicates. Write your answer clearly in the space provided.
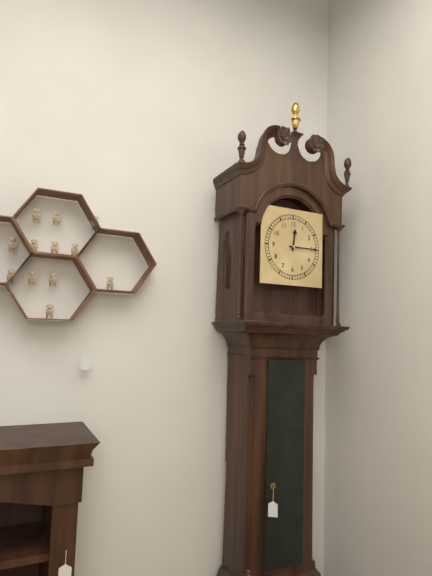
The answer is 12:15
